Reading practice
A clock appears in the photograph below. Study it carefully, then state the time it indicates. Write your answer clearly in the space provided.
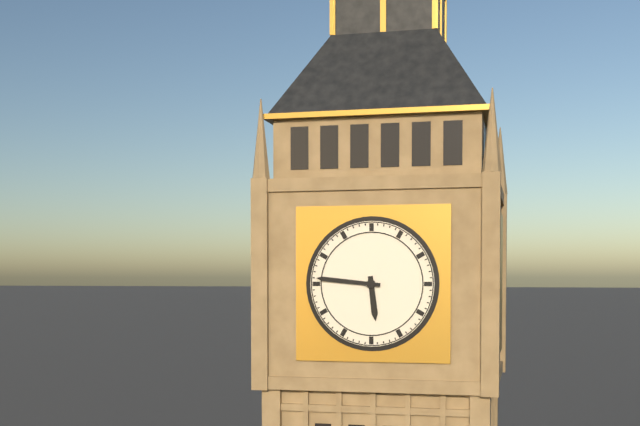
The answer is 5:46
